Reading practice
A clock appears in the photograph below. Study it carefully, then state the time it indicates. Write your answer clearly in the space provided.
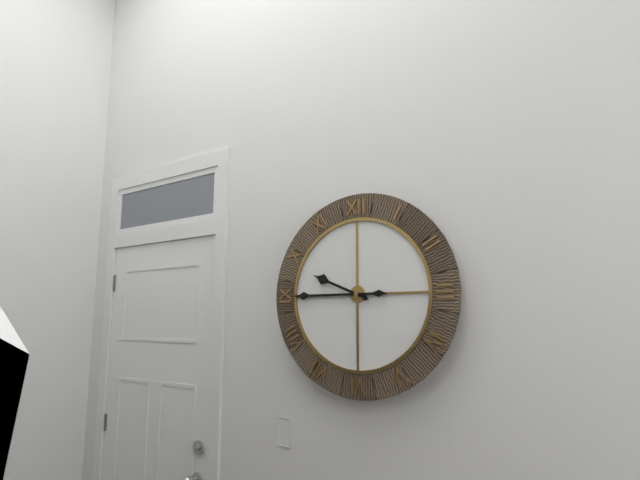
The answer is 9:45
